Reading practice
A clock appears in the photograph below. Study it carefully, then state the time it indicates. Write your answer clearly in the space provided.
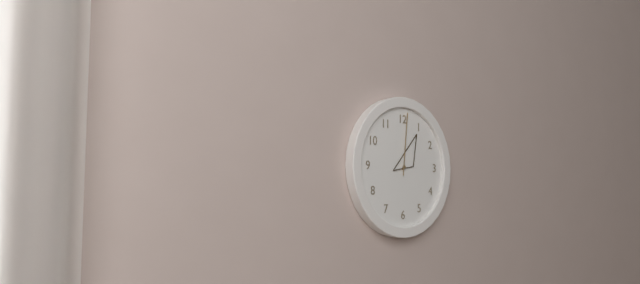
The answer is 1:01
